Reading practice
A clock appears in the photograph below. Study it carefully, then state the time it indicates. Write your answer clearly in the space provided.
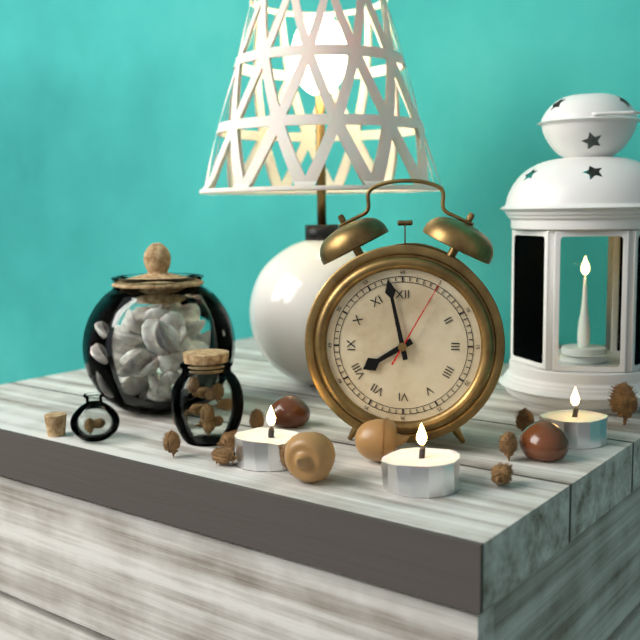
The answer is 7:58:05
